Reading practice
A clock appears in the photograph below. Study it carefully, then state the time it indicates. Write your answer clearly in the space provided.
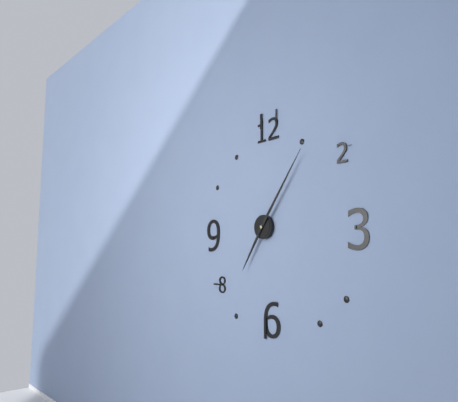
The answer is 7:06
